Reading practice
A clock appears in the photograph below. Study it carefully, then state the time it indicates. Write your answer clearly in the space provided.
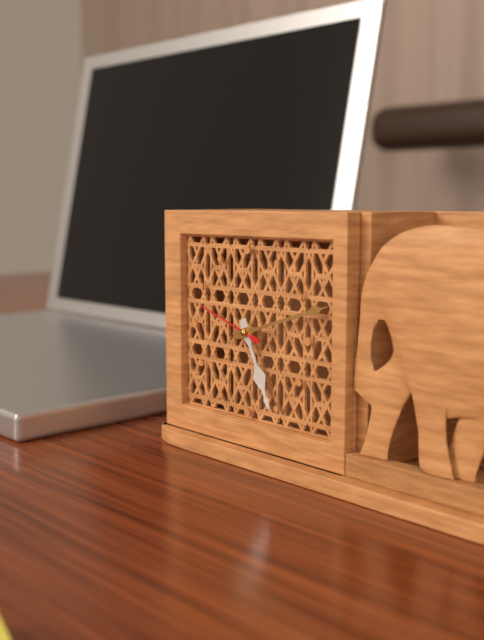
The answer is 5:12:48
